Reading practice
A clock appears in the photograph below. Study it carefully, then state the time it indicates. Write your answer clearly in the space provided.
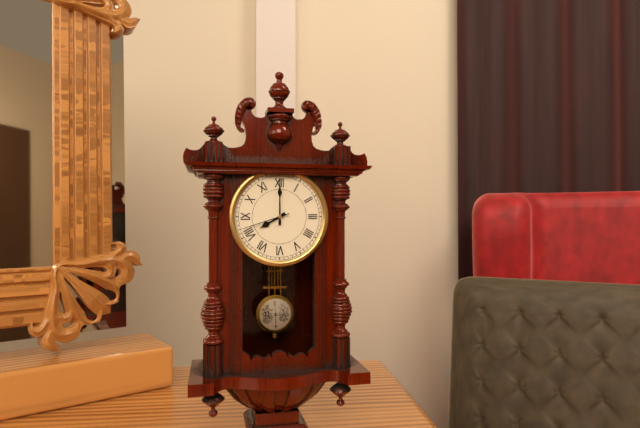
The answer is 8:00:42
